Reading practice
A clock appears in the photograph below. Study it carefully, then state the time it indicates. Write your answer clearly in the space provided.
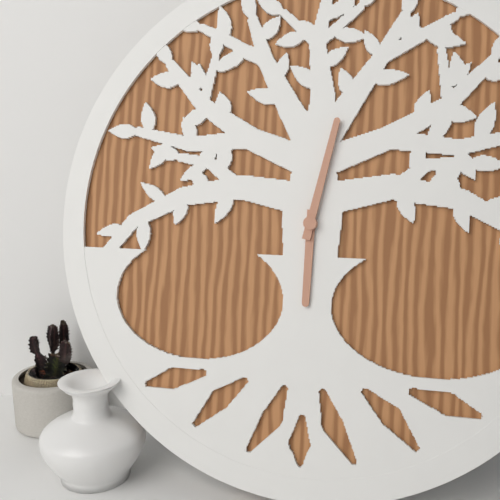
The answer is 6:02
